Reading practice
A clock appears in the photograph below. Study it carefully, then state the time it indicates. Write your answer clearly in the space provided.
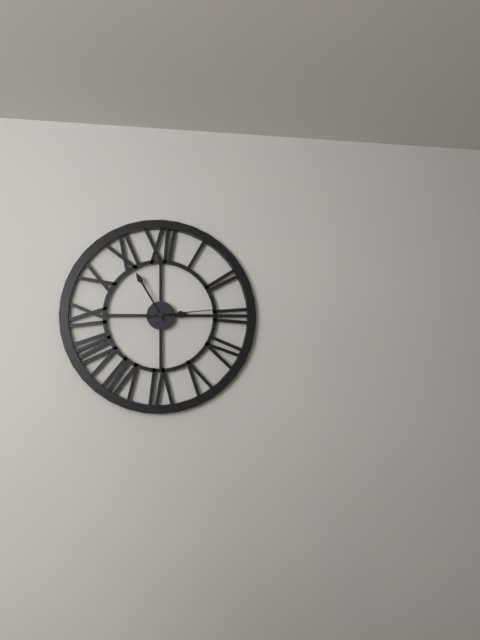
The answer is 2:55:14
